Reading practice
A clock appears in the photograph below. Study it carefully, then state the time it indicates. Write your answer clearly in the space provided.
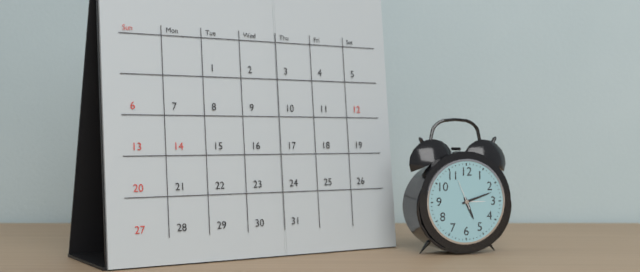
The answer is 5:12
